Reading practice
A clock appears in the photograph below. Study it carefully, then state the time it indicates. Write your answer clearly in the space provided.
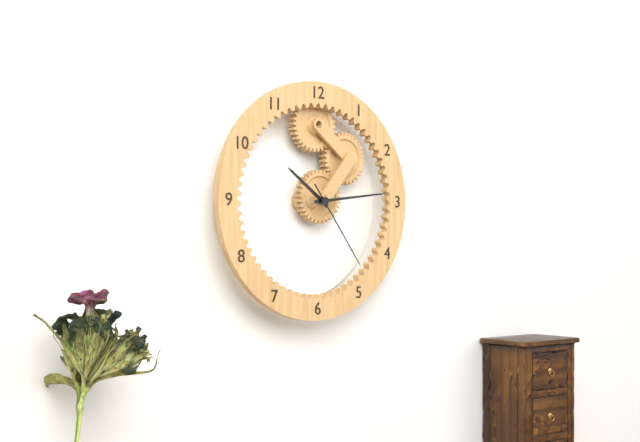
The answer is 10:14:24
